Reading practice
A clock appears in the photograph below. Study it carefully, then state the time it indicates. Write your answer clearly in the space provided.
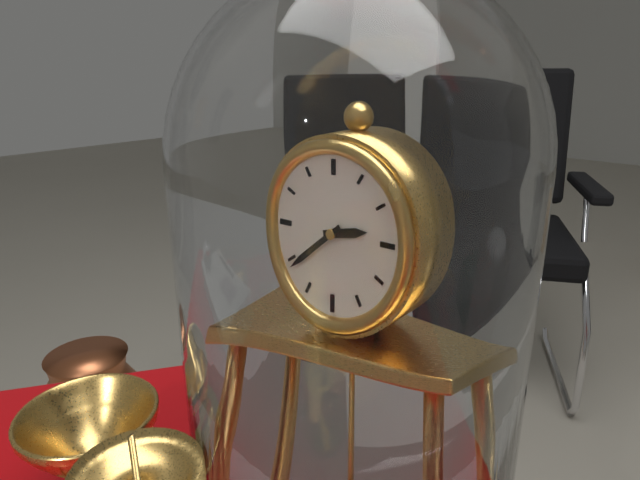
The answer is 2:39
